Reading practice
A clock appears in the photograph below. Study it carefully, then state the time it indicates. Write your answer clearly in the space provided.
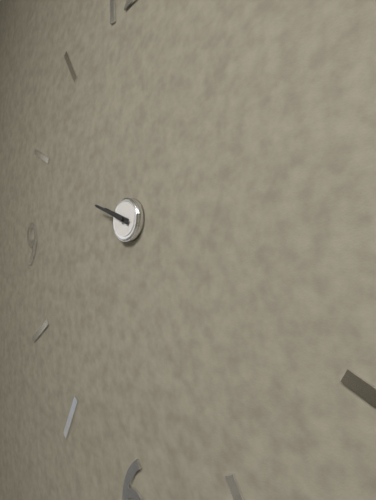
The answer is 9:49
